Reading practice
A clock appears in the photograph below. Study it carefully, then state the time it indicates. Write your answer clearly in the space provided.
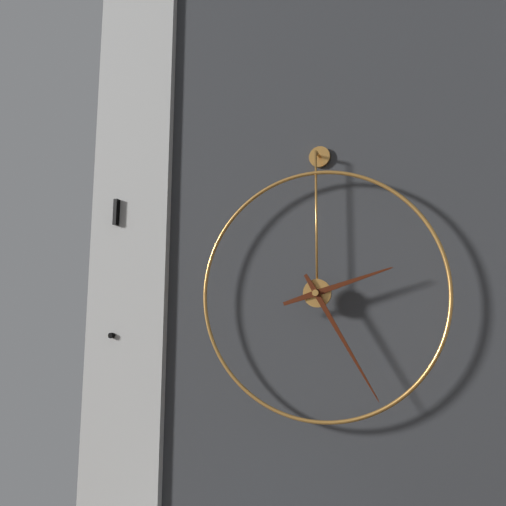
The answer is 2:25
